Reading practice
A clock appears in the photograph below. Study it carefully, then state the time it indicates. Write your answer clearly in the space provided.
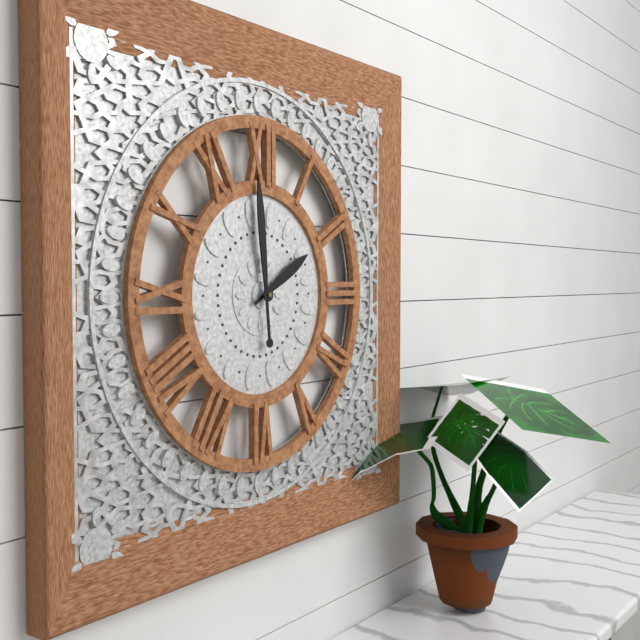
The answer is 1:59
